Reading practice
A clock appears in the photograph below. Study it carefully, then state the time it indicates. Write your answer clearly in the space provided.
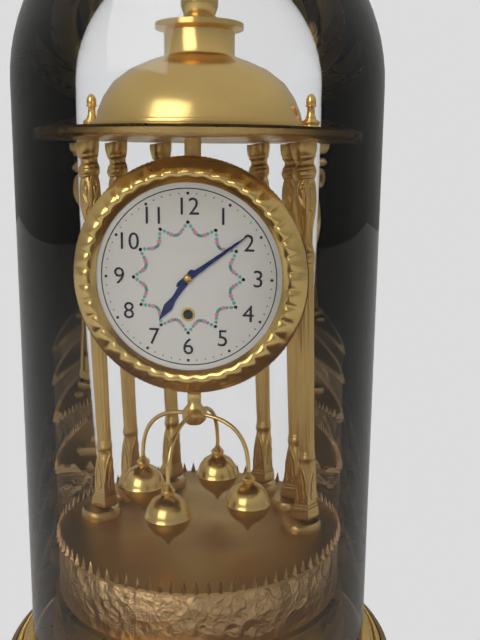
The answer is 7:09
